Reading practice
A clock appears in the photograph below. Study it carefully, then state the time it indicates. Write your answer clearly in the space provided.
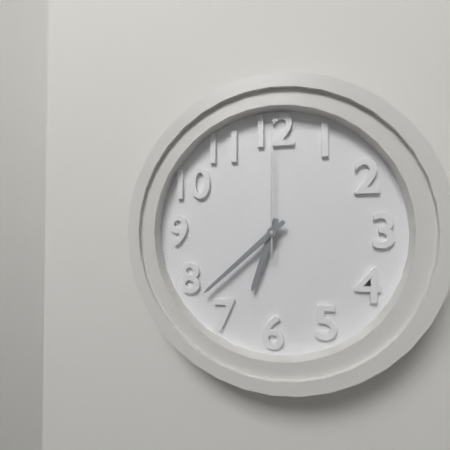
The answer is 6:38:00
